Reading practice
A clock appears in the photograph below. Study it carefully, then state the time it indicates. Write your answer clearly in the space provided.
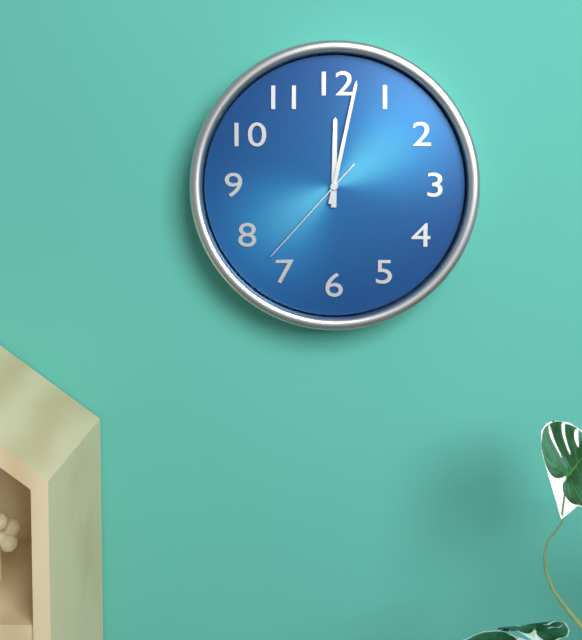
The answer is 12:02:37
